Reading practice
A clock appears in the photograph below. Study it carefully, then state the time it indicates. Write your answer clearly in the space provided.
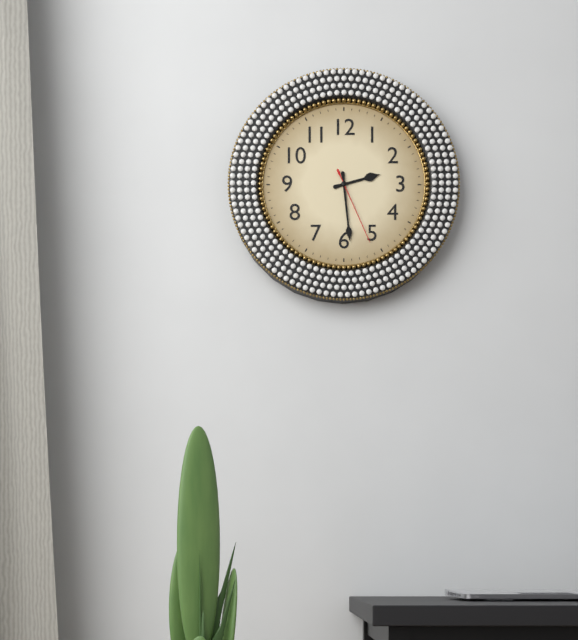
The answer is 2:29:26
